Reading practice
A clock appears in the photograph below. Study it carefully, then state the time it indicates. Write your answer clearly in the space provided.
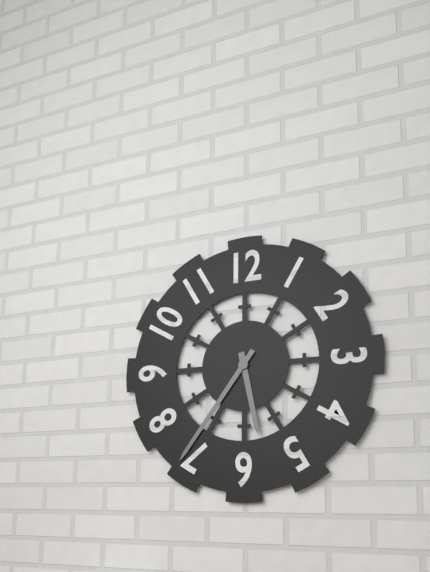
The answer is 5:36
